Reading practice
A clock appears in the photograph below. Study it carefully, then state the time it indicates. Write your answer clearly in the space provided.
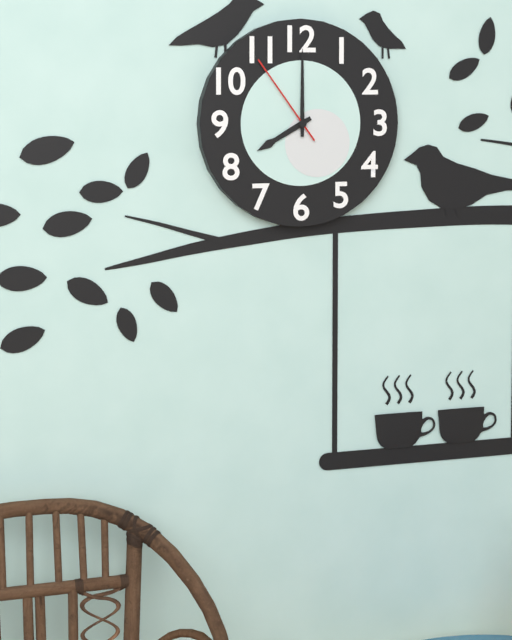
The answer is 8:00:54
